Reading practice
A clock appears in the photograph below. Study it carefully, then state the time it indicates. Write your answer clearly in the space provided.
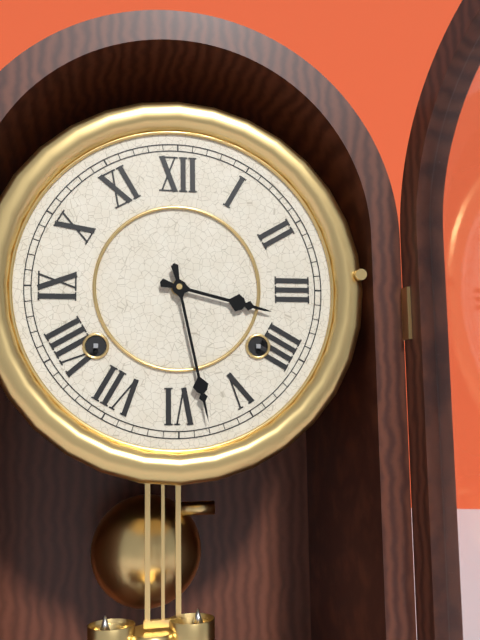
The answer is 3:28
